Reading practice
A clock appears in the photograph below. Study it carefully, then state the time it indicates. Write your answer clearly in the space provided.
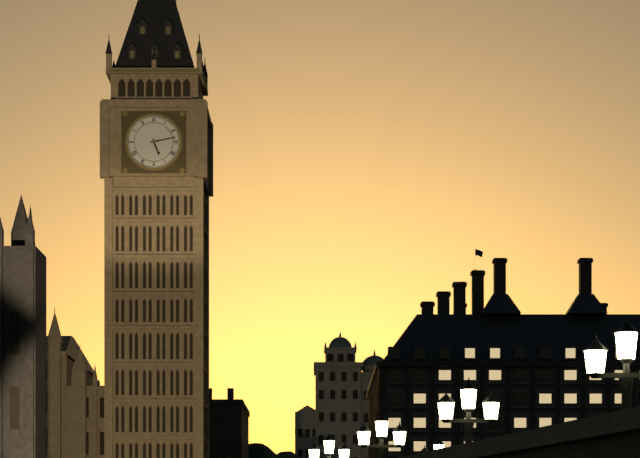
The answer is 5:13
